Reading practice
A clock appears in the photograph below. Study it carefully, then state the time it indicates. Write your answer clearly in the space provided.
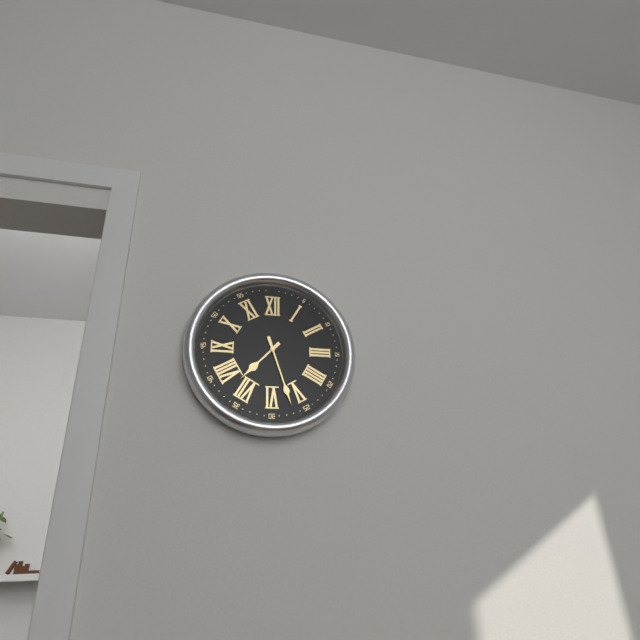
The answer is 7:27
